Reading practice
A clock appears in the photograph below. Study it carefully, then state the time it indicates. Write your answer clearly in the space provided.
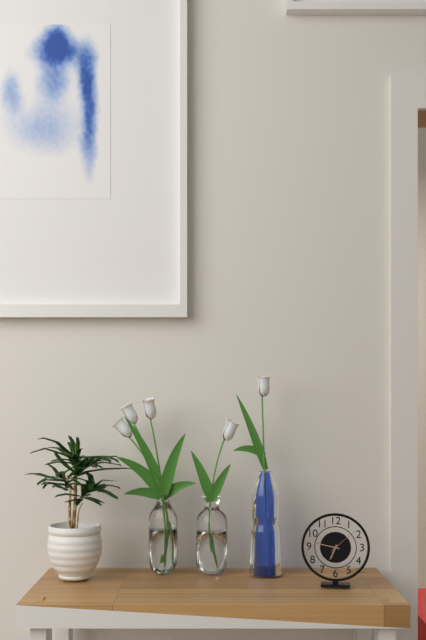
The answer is 6:47
